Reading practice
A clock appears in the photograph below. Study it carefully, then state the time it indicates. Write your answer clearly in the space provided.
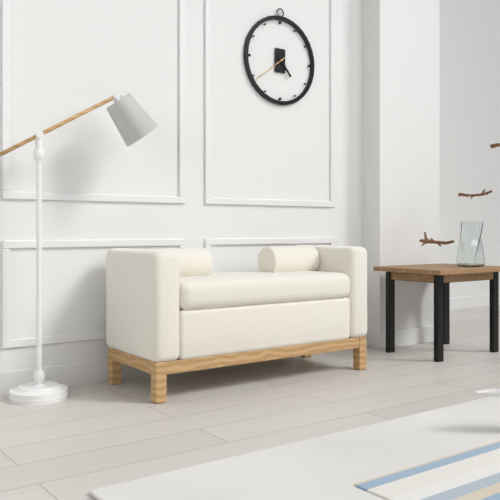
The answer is 4:39
